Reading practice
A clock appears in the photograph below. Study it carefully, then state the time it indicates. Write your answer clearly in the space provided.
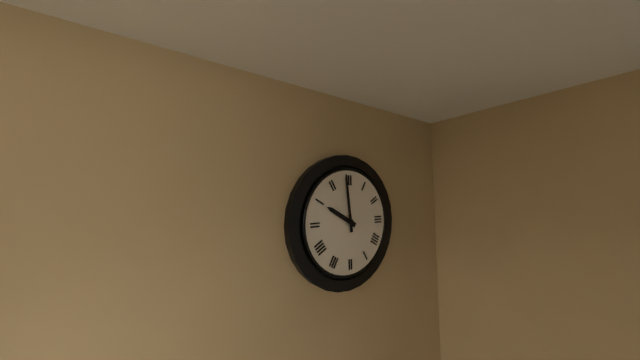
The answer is 9:59
